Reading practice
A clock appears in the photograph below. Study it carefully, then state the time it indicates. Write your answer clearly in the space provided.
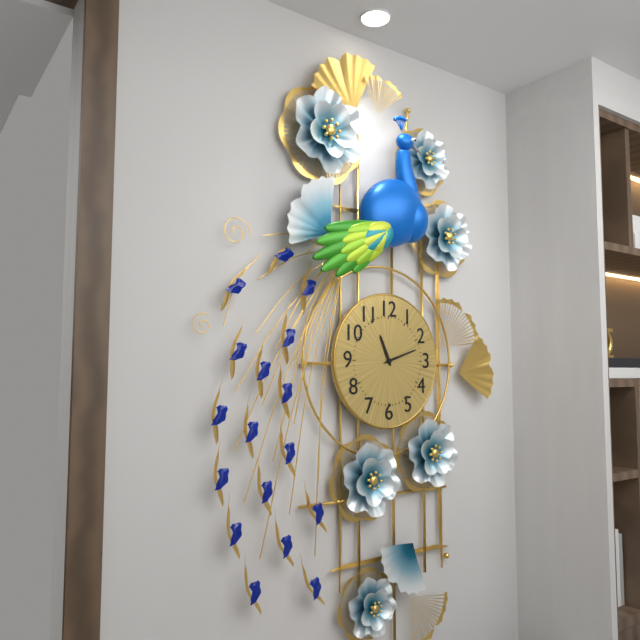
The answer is 11:12
